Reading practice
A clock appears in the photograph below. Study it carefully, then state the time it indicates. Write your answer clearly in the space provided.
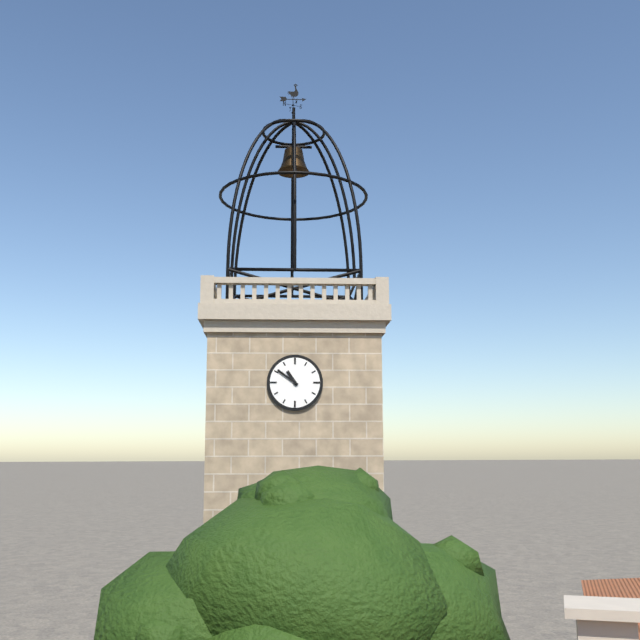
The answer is 10:51
